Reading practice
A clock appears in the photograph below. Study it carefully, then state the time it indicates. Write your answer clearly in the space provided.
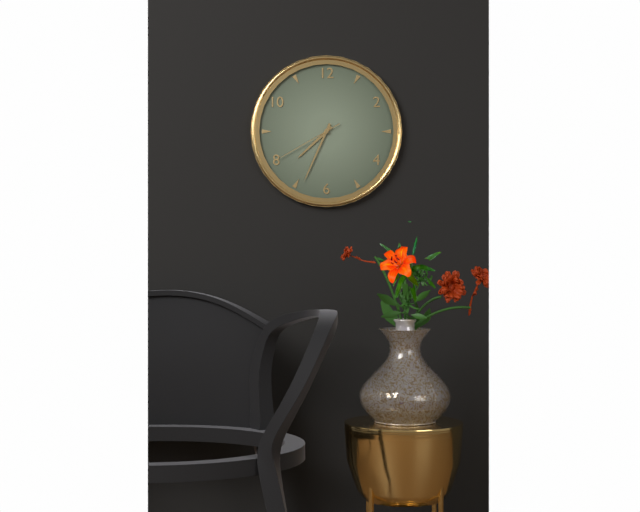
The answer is 7:34:40
